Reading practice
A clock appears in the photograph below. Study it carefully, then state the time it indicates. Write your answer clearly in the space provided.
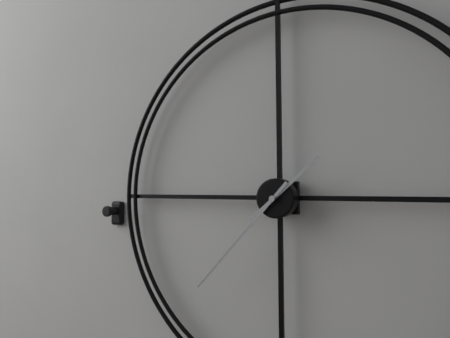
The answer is 1:37
